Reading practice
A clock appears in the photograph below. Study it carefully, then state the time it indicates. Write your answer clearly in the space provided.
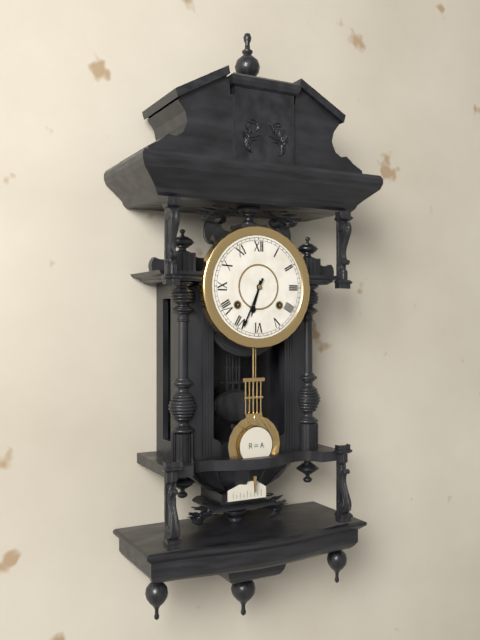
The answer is 6:34
